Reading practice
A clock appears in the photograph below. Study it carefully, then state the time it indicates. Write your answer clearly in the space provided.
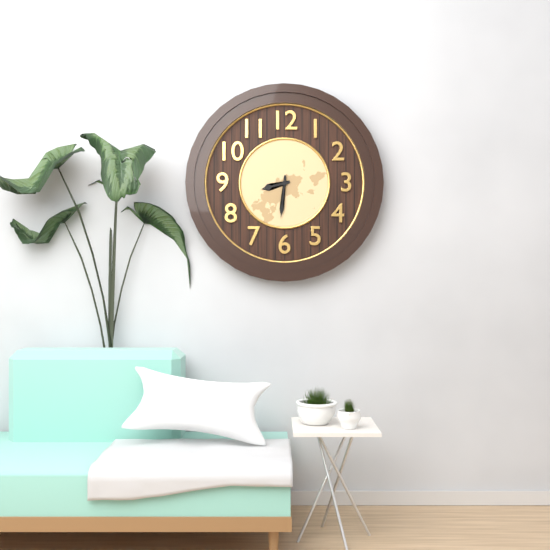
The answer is 8:31
